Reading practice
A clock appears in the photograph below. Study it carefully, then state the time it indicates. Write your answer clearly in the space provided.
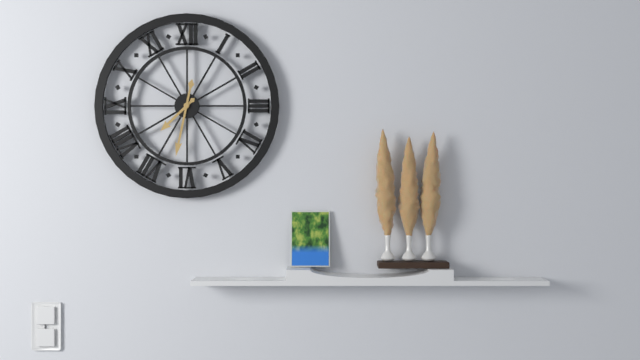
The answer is 7:32
